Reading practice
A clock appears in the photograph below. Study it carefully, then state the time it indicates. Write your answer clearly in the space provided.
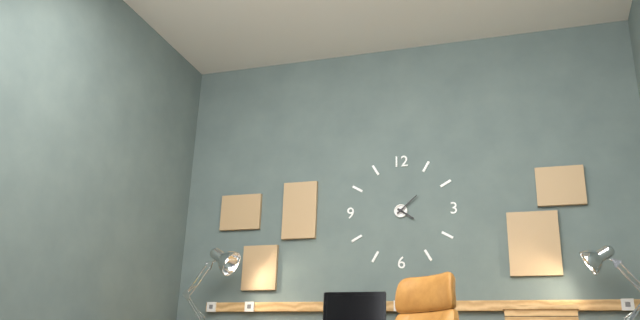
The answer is 4:08
